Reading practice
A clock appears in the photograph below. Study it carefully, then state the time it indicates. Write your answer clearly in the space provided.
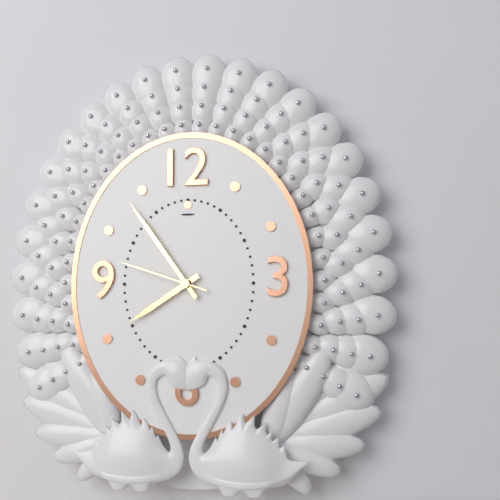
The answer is 7:54:48
